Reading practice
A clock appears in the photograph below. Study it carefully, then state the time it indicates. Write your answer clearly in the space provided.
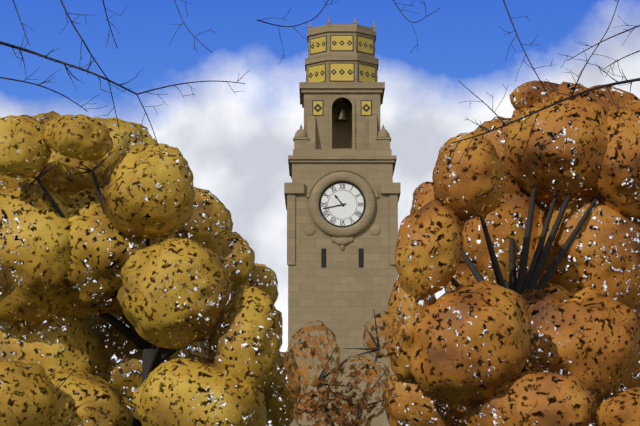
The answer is 10:43
